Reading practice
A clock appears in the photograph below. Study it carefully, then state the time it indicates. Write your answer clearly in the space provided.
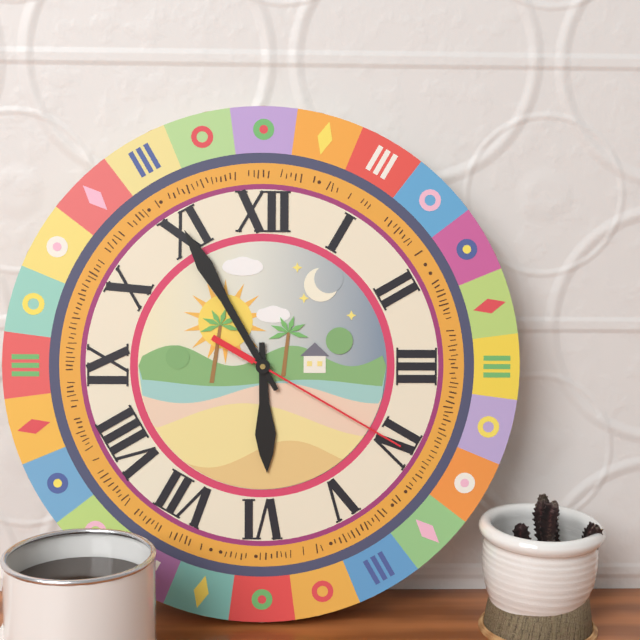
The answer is 5:55:20
